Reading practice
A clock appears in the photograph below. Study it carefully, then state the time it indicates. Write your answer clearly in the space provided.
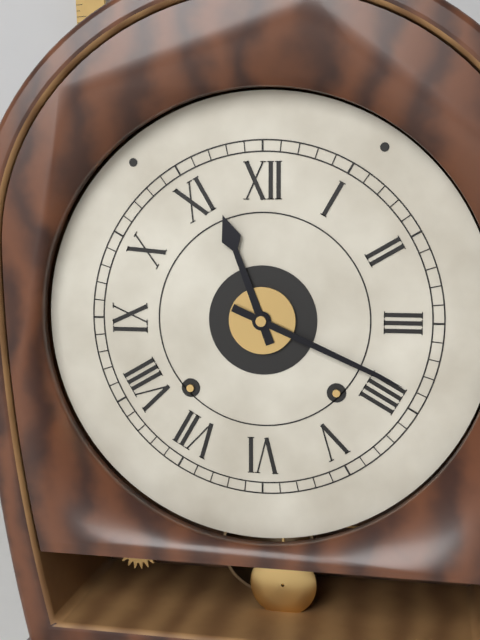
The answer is 11:19
